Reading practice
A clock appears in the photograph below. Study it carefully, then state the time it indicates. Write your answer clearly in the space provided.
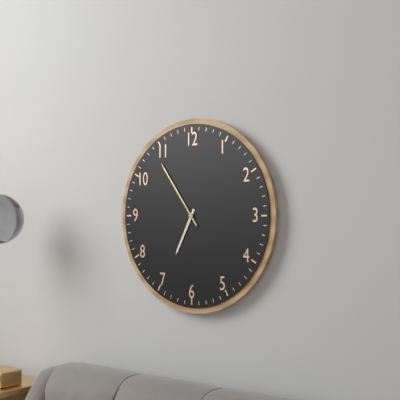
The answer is 6:54
